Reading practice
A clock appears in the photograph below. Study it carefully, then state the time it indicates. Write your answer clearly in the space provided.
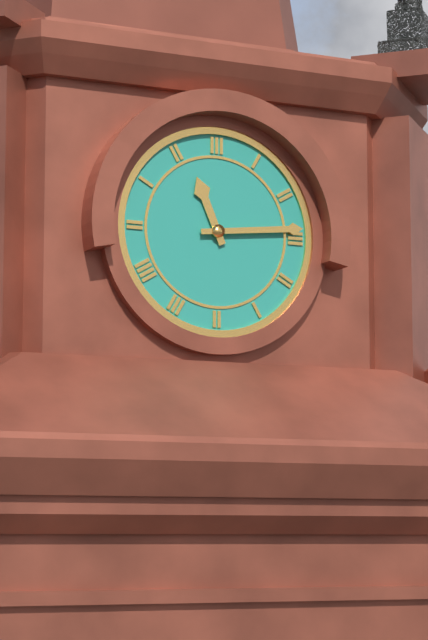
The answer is 11:14
